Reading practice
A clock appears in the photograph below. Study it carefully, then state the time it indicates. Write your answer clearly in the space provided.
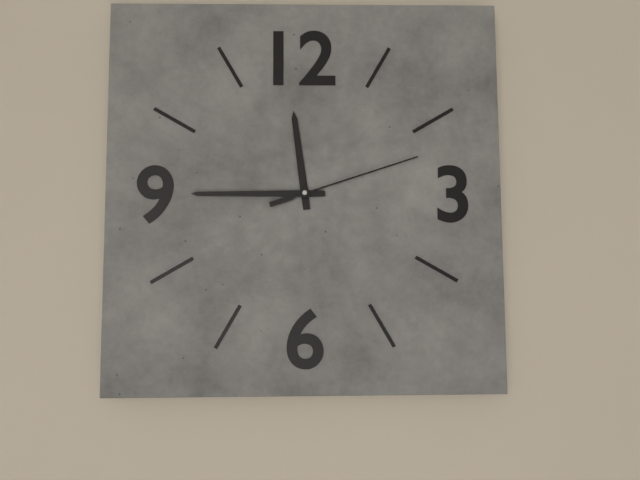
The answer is 11:45:12
